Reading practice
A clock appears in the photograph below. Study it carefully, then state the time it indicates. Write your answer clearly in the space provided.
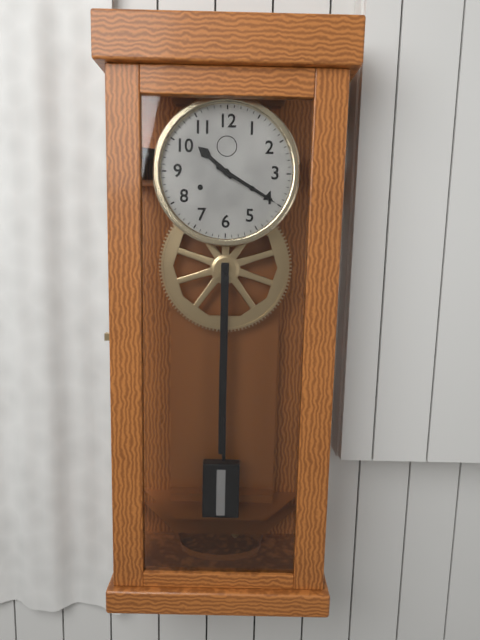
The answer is 10:20
